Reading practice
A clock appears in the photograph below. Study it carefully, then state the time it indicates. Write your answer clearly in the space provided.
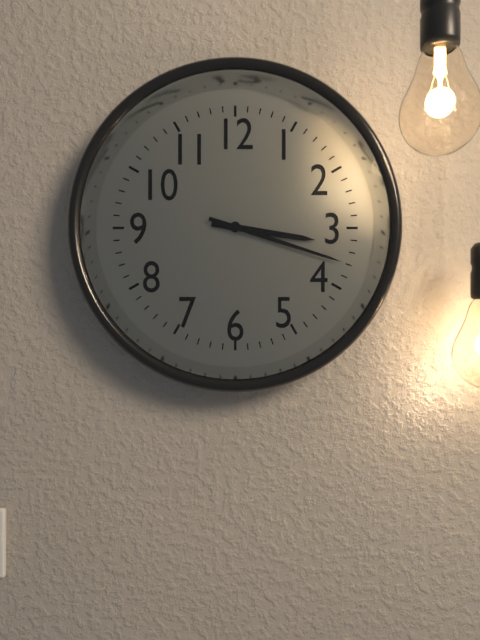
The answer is 3:18
